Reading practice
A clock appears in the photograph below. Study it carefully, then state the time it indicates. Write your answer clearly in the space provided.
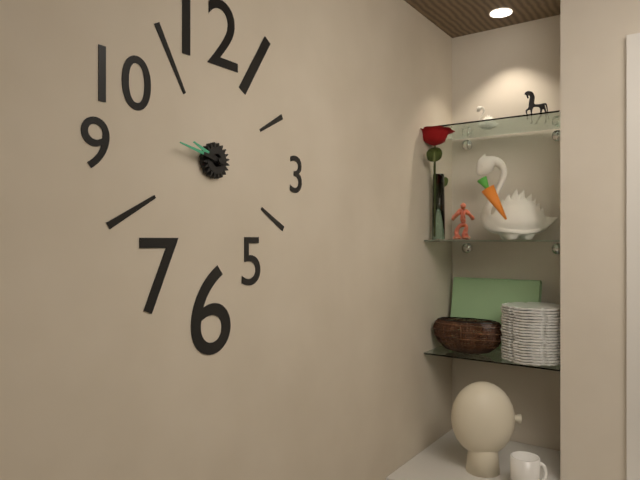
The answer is 9:47
